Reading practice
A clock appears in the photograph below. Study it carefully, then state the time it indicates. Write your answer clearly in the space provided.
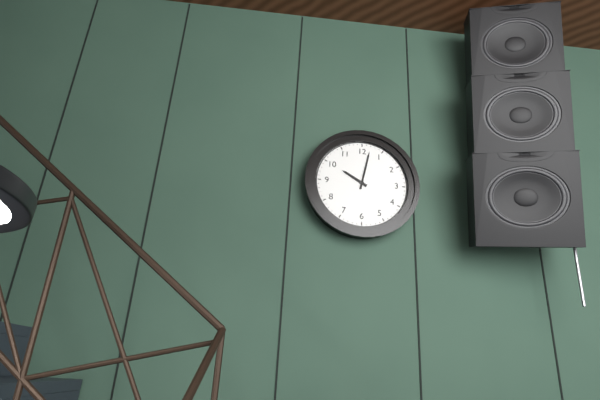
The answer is 10:02
